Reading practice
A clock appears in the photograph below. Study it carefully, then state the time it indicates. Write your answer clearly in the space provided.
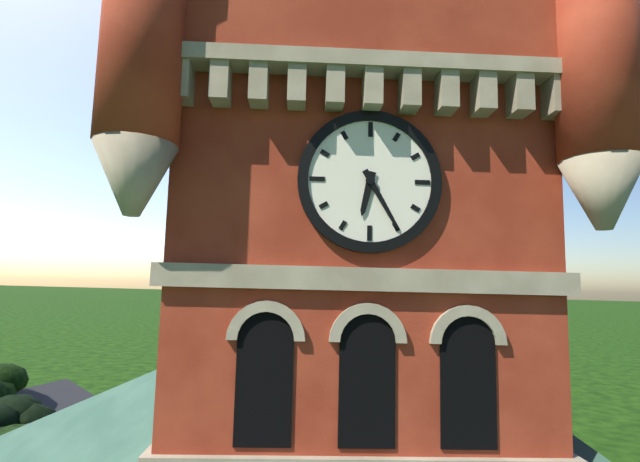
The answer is 6:25
